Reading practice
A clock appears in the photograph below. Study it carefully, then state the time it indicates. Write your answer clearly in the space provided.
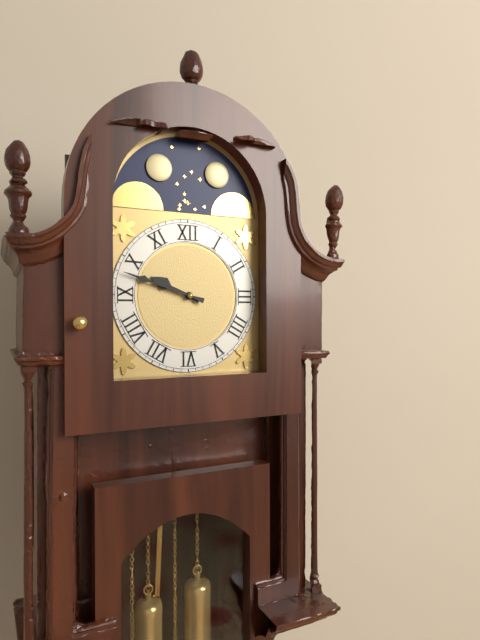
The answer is 9:48
